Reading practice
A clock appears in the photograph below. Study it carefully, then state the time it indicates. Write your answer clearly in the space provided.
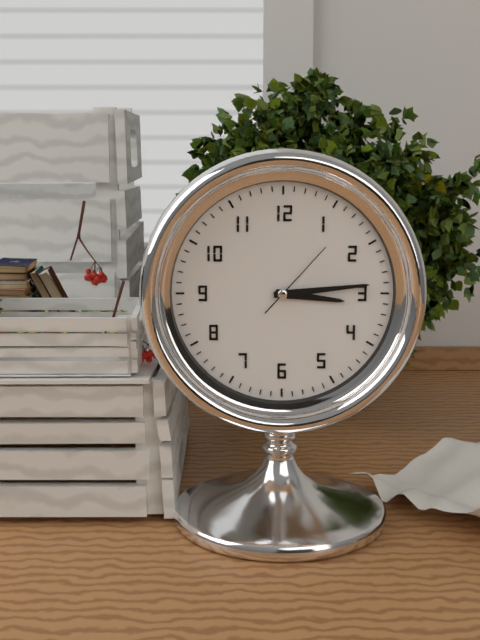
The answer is 3:14:07
